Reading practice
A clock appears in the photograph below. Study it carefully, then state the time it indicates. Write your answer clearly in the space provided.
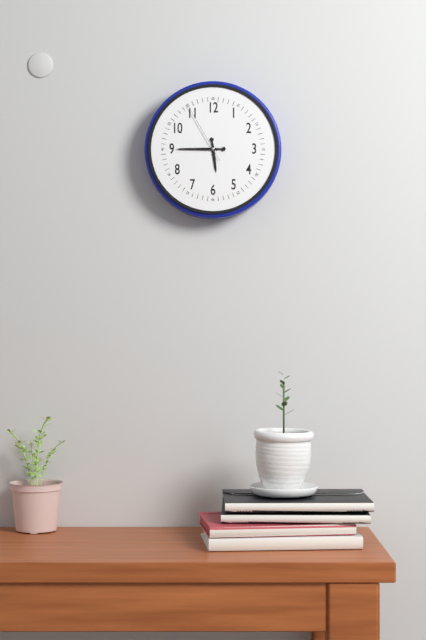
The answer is 5:45:55
